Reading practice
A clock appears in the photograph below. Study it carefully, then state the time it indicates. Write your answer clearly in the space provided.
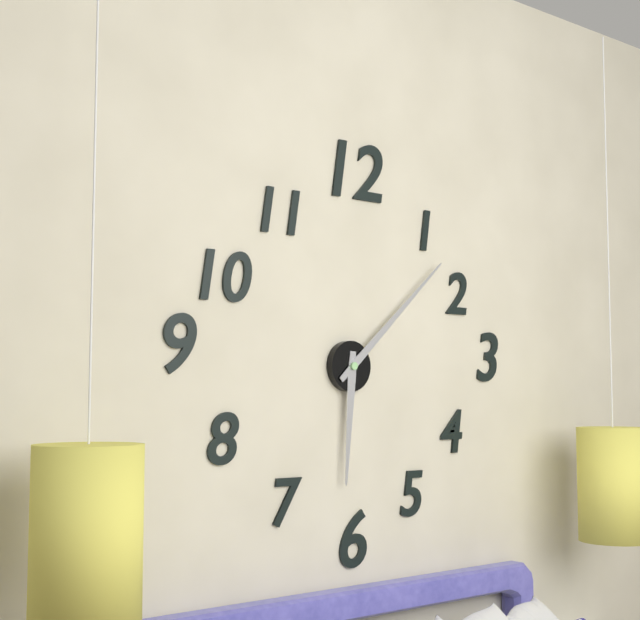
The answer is 6:08
